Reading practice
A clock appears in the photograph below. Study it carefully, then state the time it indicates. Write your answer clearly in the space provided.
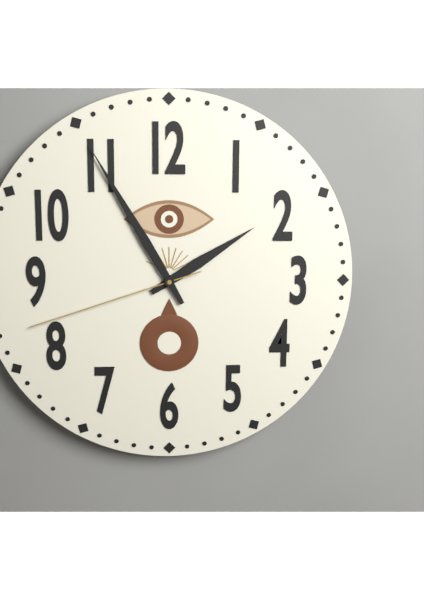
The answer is 1:55:42
